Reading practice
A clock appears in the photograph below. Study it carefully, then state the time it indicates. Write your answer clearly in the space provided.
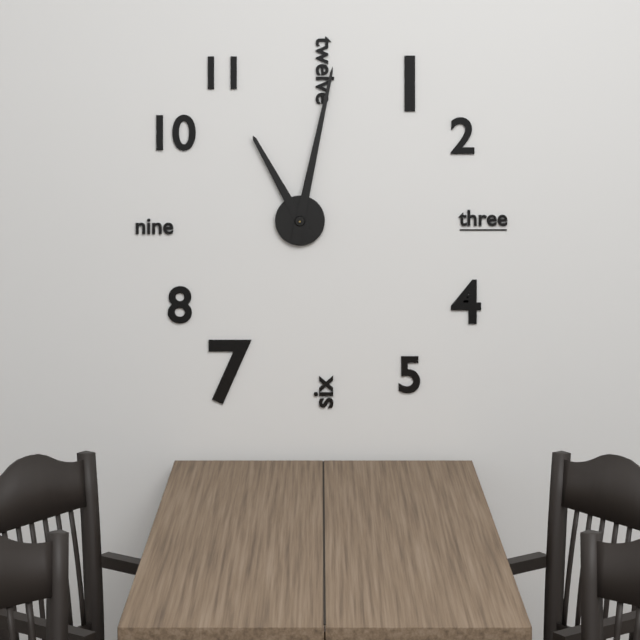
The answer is 11:02
